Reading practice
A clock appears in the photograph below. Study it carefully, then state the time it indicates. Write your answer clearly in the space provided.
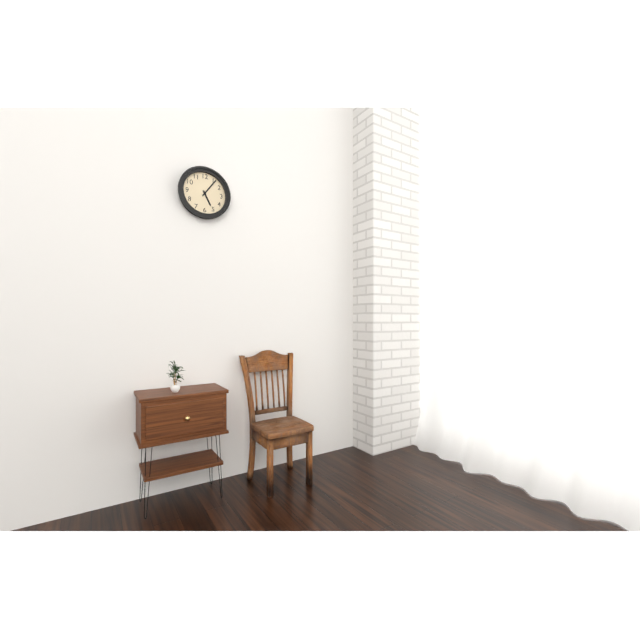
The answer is 5:06
